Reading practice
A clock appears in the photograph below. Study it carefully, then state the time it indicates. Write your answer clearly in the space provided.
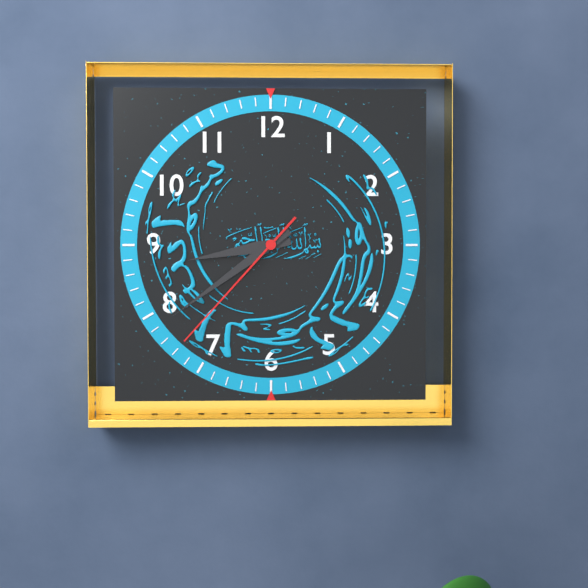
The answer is 8:39:37
